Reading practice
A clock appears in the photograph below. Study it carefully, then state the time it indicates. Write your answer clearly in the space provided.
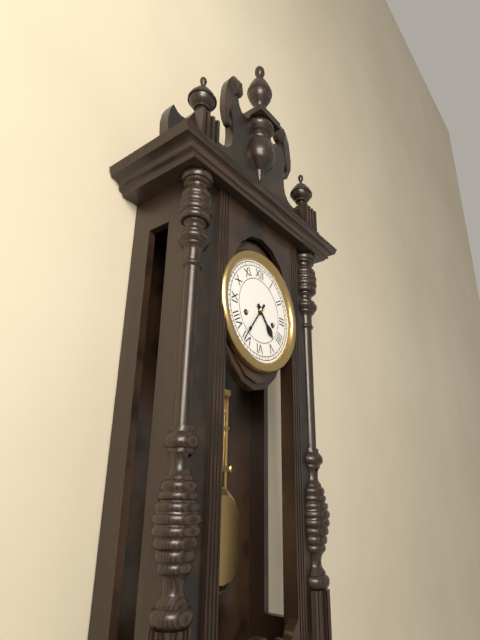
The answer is 4:36
